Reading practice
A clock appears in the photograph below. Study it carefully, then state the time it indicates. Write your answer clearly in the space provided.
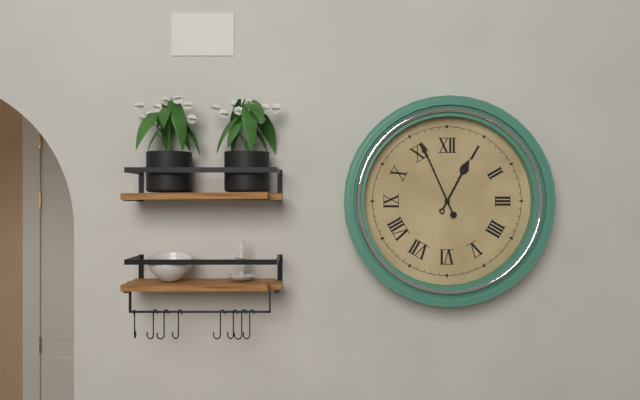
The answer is 12:56
